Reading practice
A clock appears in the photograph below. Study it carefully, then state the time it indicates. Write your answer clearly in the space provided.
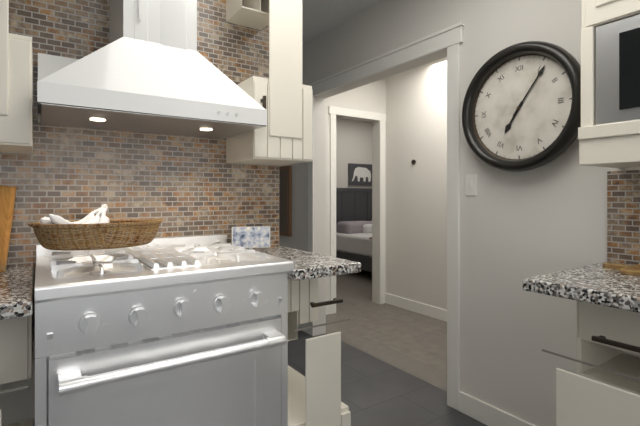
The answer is 7:06
